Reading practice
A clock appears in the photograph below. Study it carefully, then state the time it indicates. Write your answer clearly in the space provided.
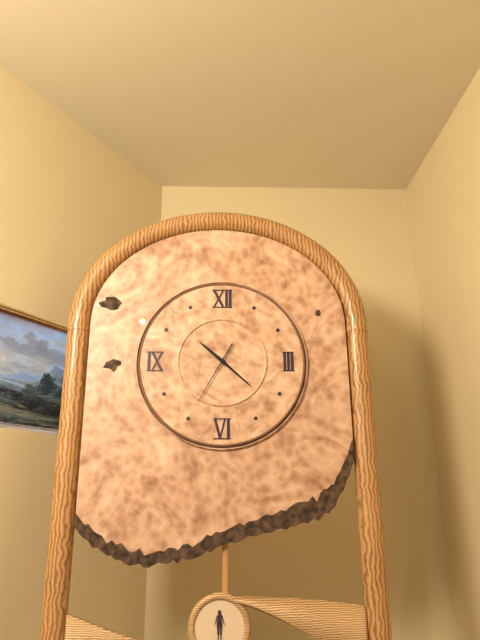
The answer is 10:22:35
